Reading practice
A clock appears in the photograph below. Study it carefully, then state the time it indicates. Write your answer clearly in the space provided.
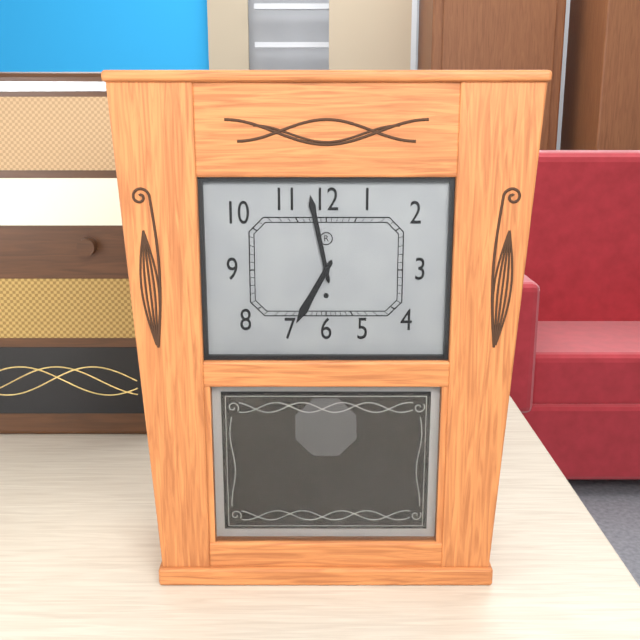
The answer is 6:58
